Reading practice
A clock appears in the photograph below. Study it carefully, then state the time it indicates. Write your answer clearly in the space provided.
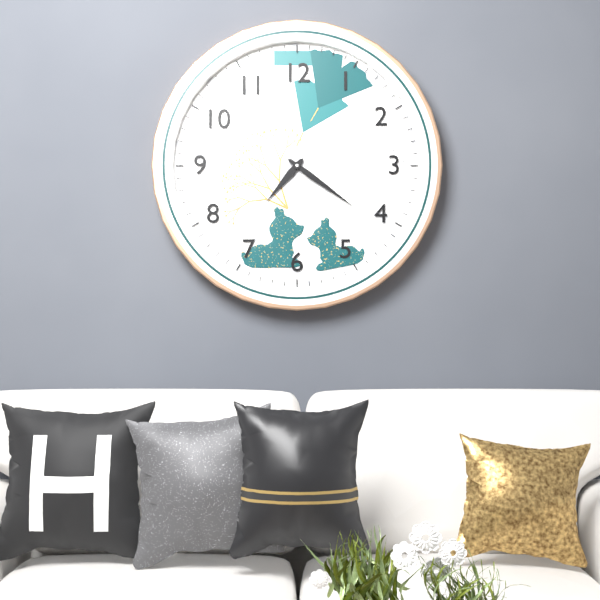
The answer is 7:21
